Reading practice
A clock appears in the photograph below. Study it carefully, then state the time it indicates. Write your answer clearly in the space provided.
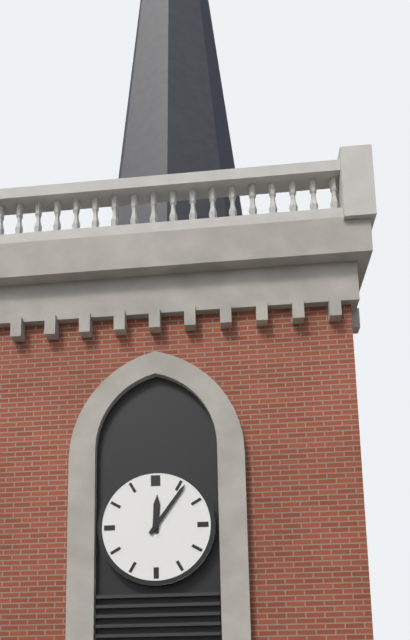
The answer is 12:06
